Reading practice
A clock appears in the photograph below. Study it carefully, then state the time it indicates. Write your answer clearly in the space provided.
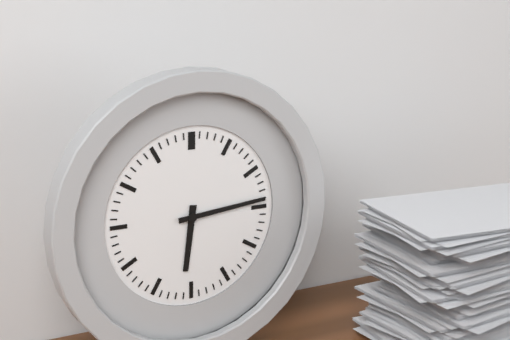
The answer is 6:14
